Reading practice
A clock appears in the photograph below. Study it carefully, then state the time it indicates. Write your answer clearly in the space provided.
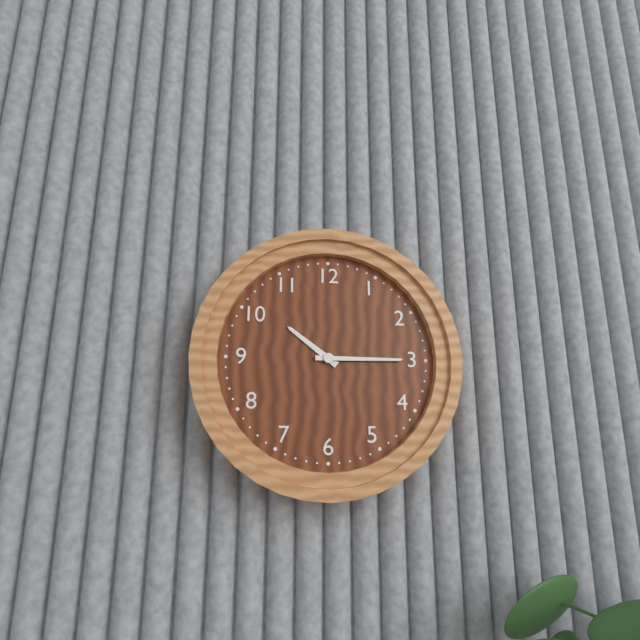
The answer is 10:15
